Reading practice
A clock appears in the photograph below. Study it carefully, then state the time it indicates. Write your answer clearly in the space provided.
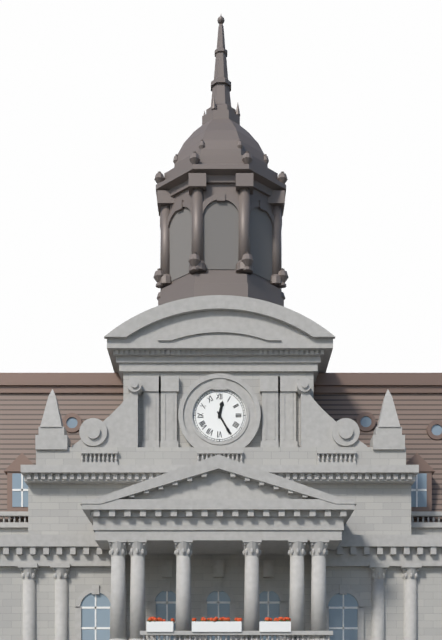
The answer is 12:25
